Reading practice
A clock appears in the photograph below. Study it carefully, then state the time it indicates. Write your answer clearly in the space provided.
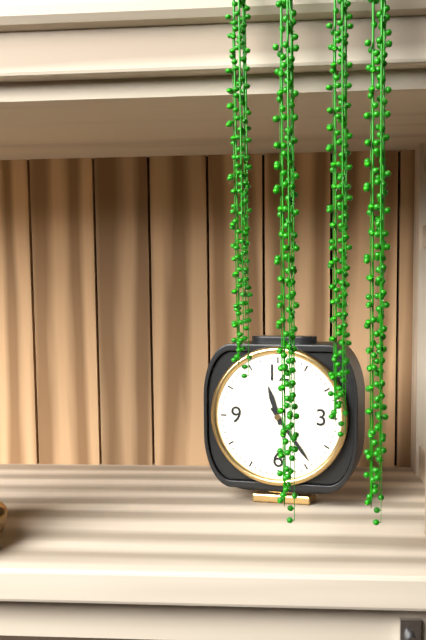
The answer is 11:24
